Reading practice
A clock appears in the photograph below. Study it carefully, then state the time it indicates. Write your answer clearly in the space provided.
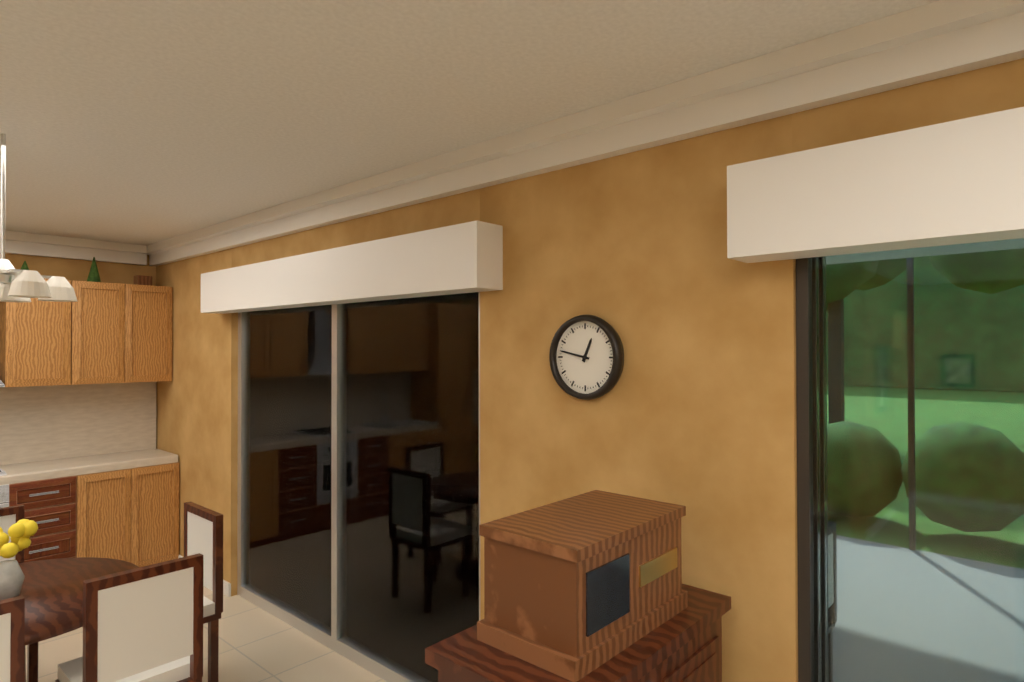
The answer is 12:47
